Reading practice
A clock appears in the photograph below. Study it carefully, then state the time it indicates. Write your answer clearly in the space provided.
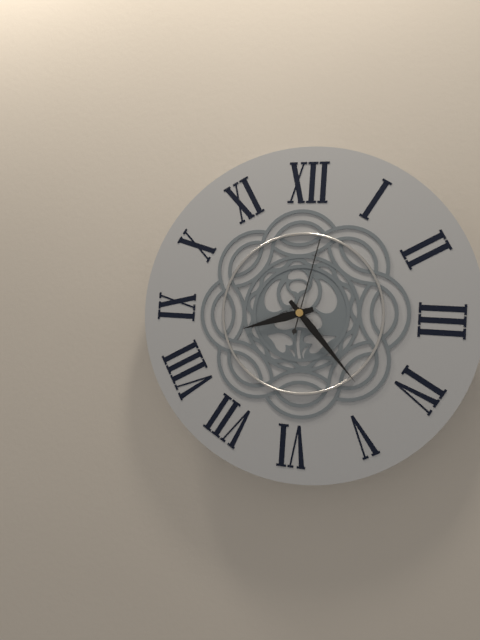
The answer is 8:23:02
